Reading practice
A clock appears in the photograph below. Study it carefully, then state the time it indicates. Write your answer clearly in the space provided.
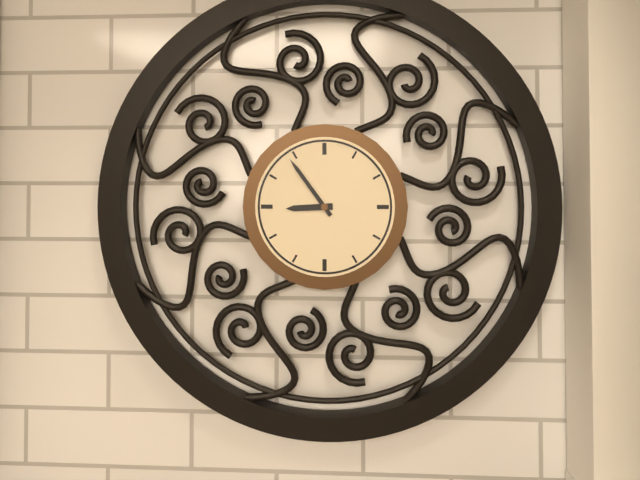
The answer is 8:54
